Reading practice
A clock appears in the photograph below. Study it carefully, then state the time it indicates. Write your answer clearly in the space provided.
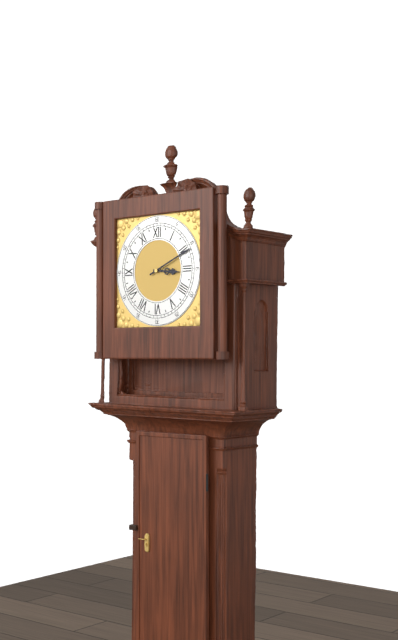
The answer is 3:11
